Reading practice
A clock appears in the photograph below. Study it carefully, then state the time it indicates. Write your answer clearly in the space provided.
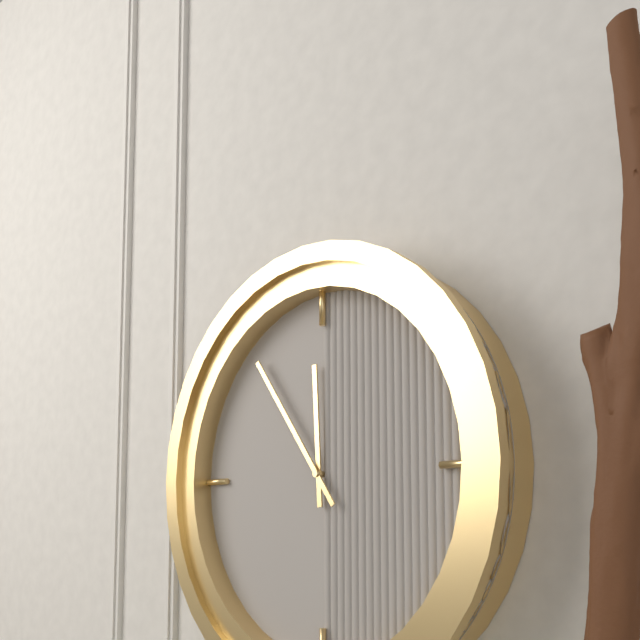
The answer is 11:54
